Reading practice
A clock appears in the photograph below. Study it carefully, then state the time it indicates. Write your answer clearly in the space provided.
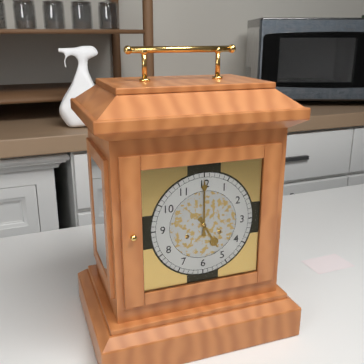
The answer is 5:00
